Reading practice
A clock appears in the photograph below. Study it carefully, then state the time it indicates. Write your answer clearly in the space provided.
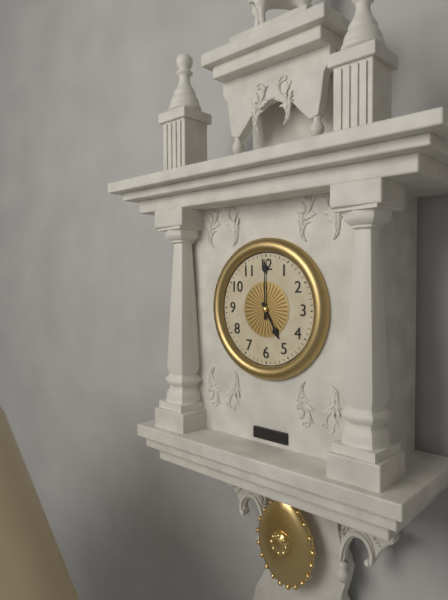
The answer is 5:00
